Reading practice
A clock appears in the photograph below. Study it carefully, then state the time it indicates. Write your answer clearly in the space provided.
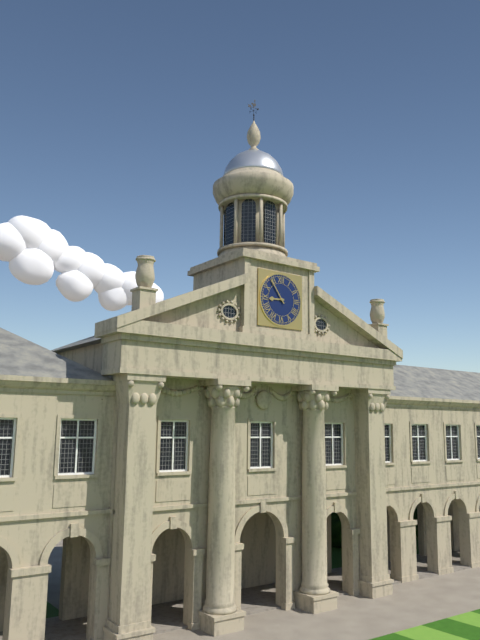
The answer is 8:54
